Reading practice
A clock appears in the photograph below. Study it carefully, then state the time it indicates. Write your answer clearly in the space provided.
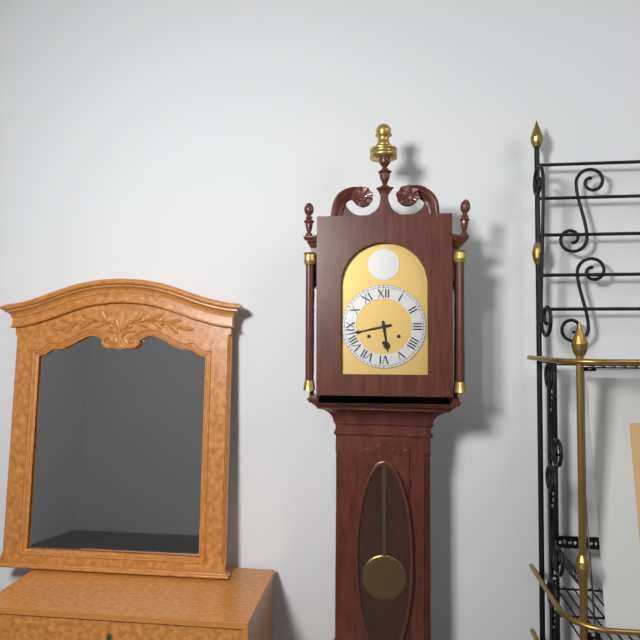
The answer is 5:43
